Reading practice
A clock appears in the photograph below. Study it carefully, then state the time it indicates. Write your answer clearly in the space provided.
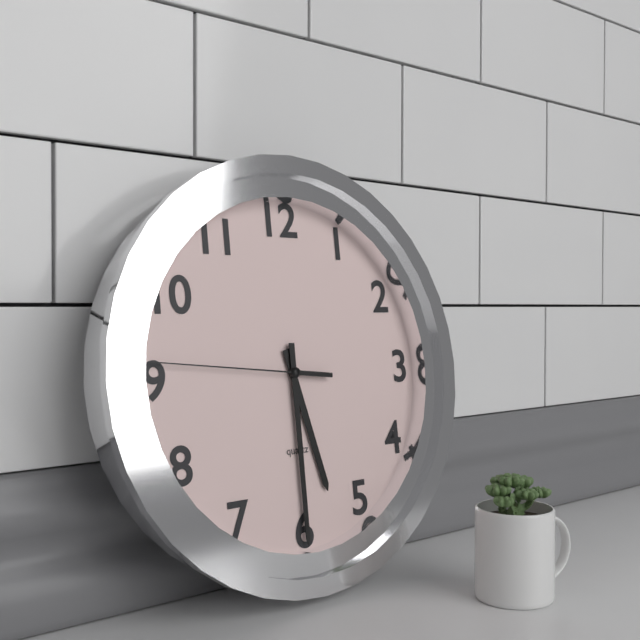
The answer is 5:30:46
